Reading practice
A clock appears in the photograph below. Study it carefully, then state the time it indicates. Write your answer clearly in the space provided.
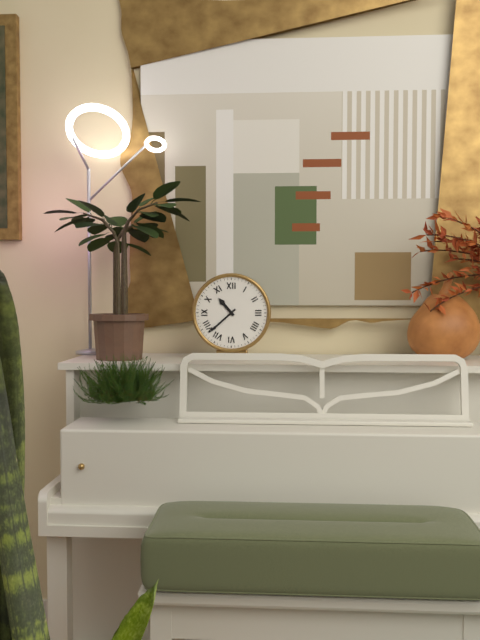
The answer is 10:38
